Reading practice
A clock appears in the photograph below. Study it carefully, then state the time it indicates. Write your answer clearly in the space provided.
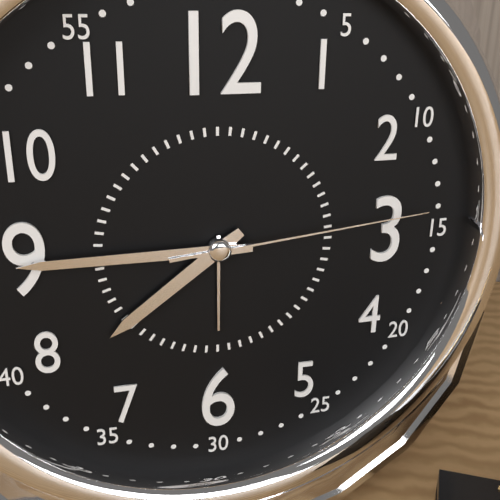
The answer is 7:45:14
